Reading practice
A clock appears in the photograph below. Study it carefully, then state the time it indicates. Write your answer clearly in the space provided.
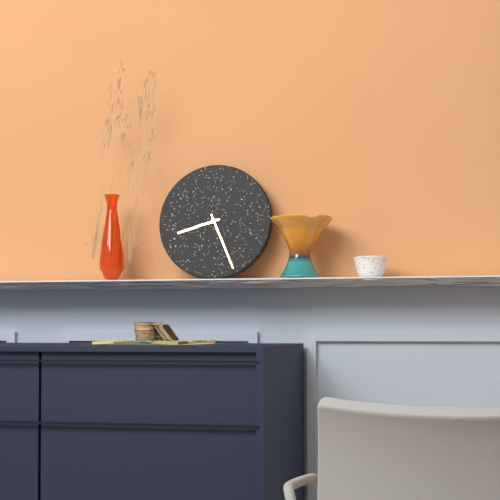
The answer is 8:26
